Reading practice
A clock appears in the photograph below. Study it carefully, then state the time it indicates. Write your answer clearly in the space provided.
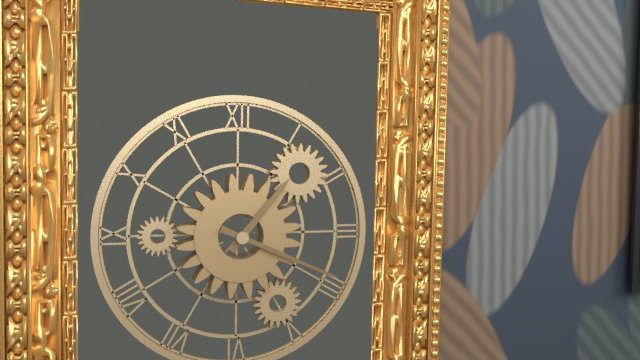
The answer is 1:19
